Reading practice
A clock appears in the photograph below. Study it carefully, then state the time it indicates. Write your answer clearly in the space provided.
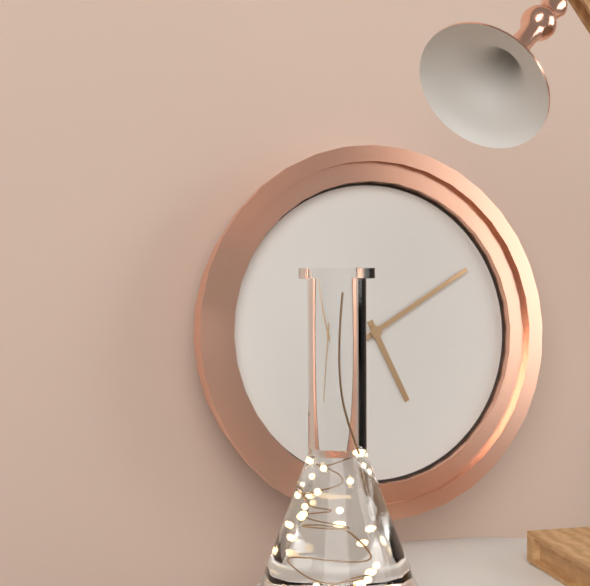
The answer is 5:10
